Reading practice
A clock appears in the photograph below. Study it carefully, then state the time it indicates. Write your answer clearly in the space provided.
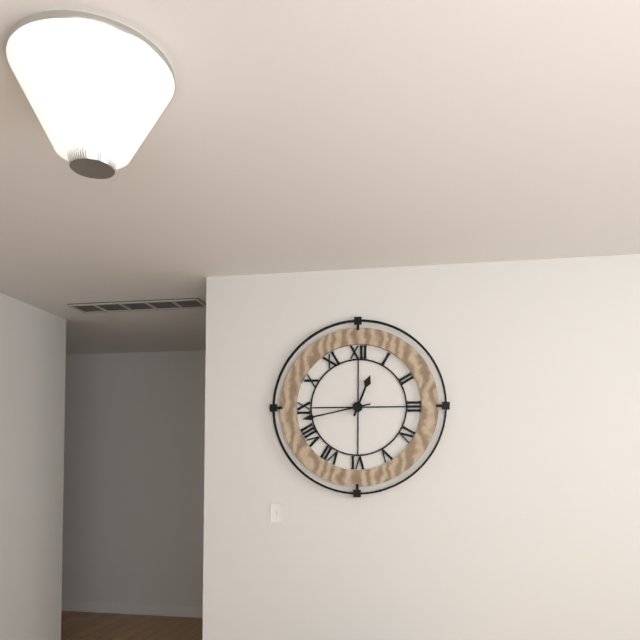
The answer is 12:43
